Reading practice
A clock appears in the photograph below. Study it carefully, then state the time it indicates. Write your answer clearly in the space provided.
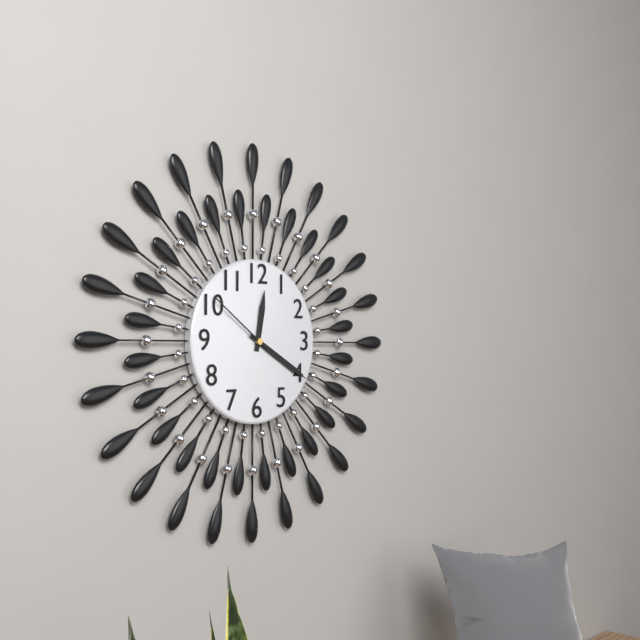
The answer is 12:20:51
